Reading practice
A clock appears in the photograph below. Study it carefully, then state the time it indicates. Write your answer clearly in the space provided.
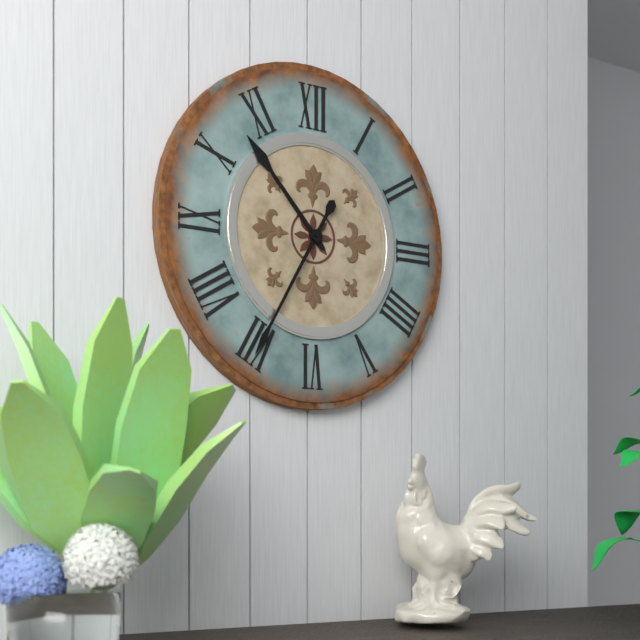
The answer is 10:35
